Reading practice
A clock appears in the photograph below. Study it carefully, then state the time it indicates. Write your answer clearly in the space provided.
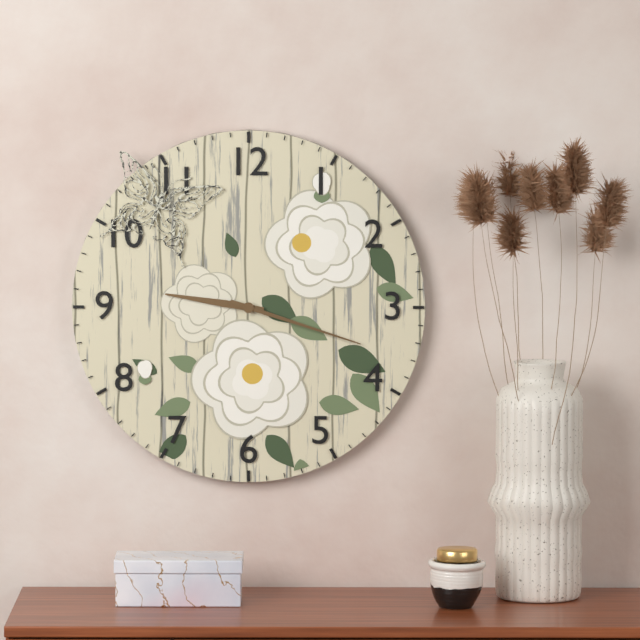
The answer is 9:18
